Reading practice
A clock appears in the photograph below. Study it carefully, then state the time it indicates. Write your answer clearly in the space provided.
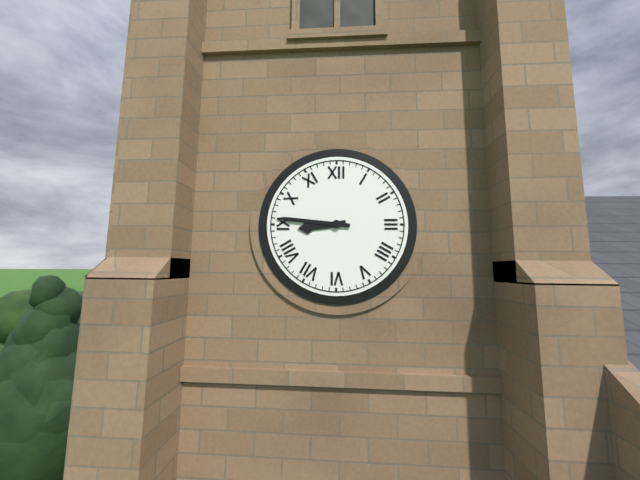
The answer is 8:46
